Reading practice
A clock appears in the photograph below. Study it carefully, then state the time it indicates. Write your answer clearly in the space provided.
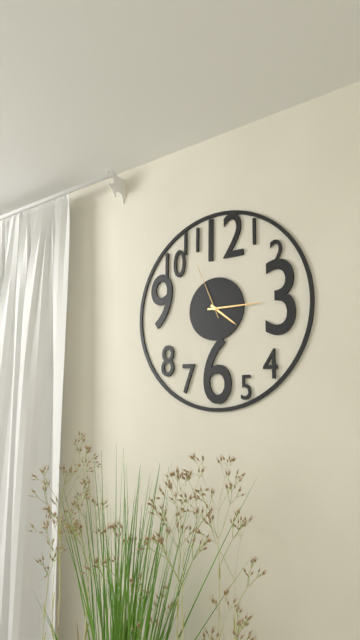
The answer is 4:15:56
